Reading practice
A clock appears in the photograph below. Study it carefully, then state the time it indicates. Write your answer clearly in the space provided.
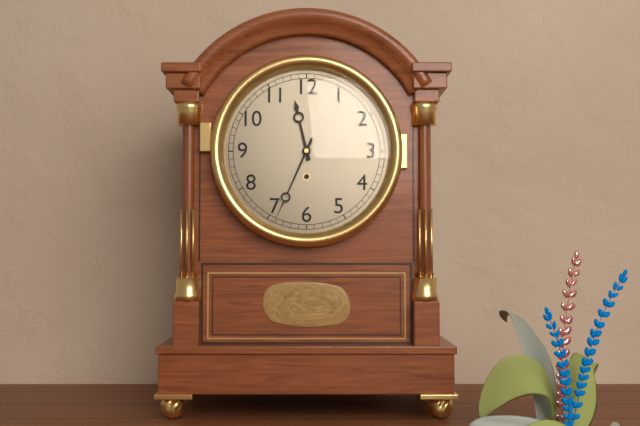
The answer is 11:34
